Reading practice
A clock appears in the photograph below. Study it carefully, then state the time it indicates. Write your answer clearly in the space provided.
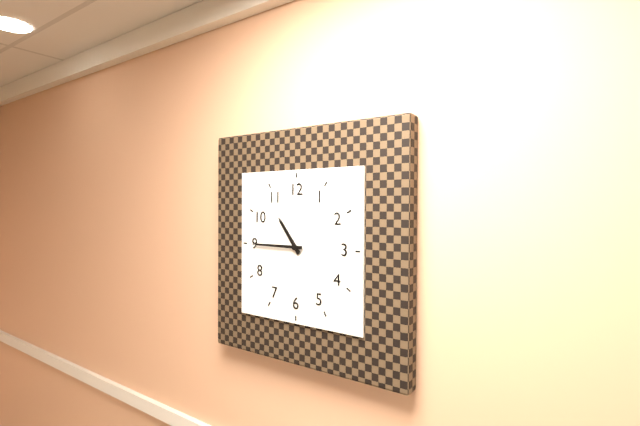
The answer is 10:45
